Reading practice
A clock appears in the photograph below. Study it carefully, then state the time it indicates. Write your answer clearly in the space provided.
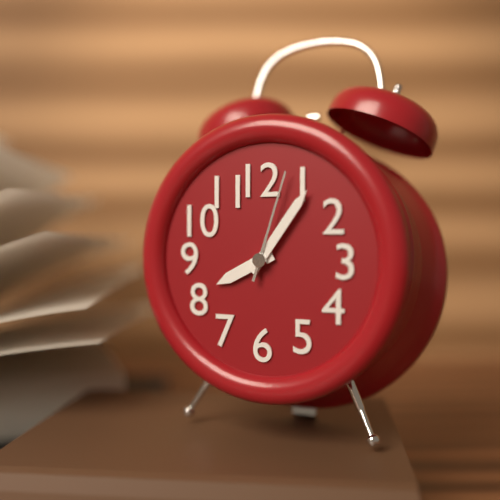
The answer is 8:06:03
